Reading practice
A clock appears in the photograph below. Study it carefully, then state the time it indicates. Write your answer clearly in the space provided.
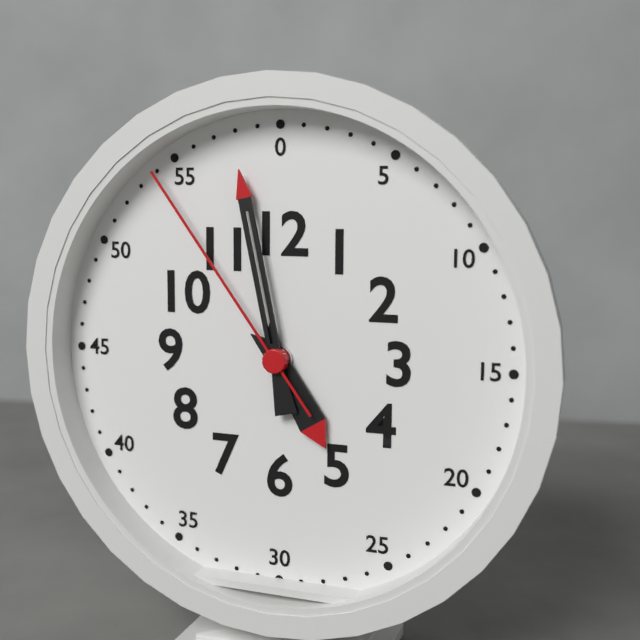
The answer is 4:58:54
